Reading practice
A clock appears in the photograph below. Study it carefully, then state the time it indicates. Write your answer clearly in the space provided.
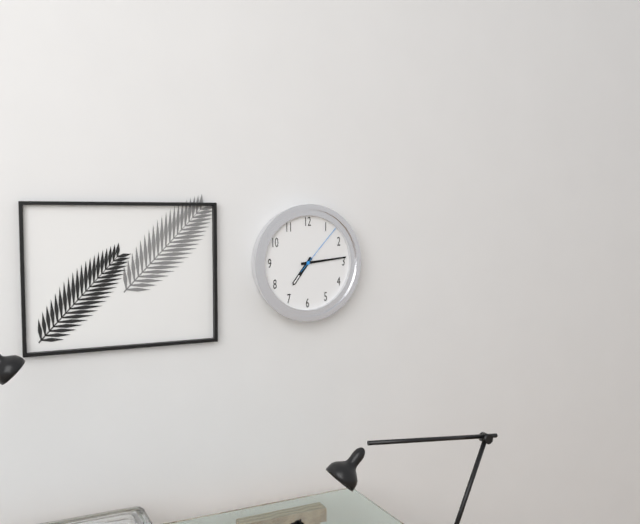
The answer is 7:14:07
